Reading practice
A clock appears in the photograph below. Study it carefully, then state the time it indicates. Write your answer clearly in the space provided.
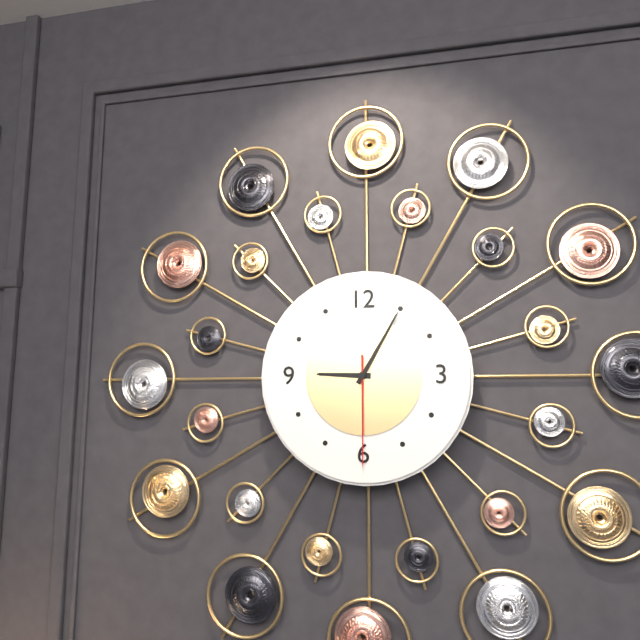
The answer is 9:05:30
